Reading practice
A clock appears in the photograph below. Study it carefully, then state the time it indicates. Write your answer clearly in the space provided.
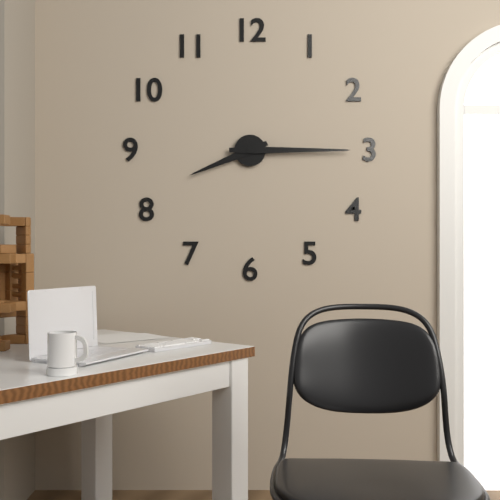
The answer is 8:15
